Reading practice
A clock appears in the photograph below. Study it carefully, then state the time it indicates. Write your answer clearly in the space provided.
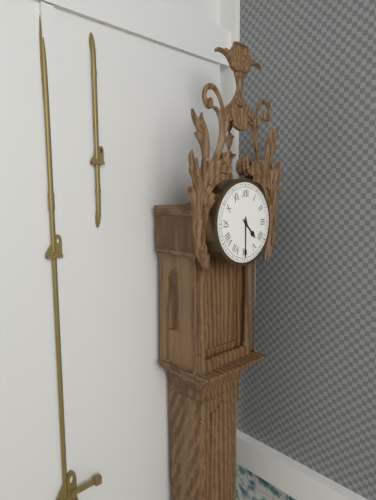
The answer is 4:30
